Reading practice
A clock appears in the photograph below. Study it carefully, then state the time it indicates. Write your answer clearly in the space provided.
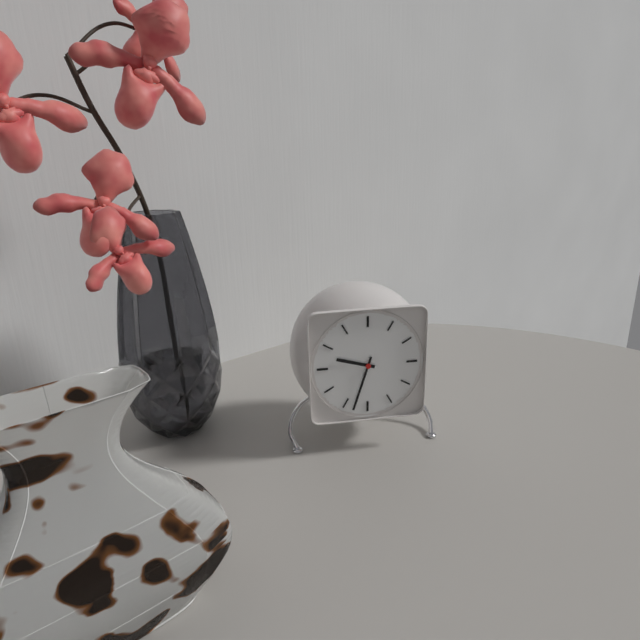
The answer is 9:33
